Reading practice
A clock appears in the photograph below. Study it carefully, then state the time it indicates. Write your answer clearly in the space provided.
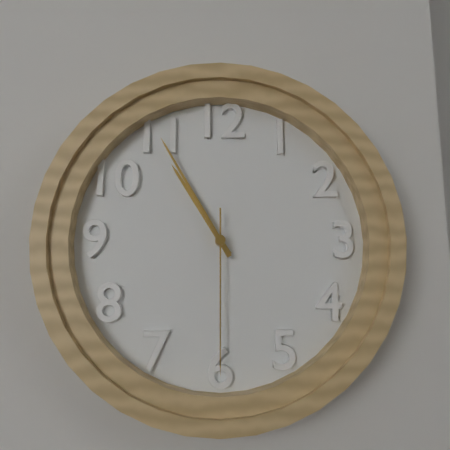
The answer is 10:55:30
